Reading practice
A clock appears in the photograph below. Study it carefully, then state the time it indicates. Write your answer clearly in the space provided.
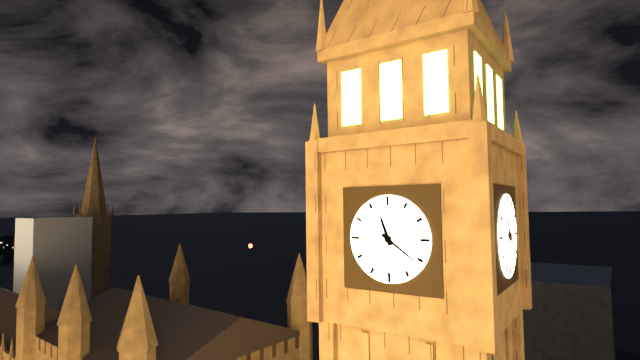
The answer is 11:21
